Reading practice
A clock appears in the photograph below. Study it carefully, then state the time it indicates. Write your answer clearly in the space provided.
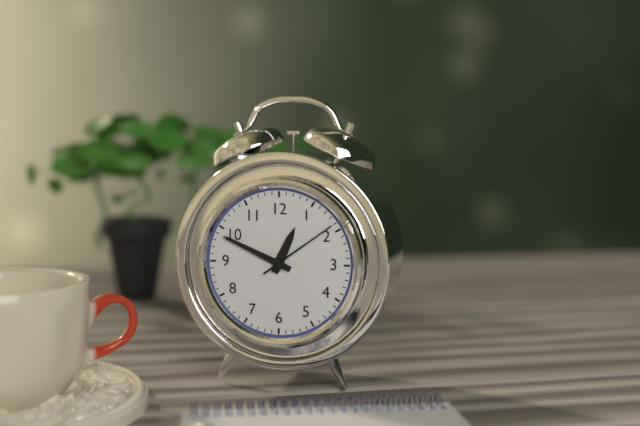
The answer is 12:49:09
